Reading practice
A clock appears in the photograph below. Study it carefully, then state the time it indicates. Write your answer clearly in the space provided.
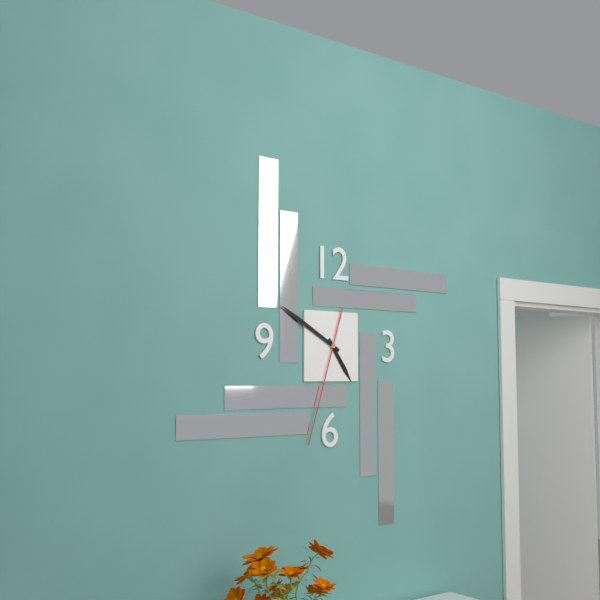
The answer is 4:50:33
